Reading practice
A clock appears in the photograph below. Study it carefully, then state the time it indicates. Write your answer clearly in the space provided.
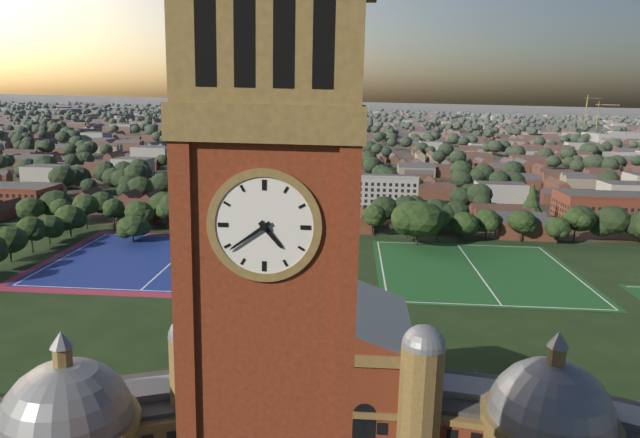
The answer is 4:39
